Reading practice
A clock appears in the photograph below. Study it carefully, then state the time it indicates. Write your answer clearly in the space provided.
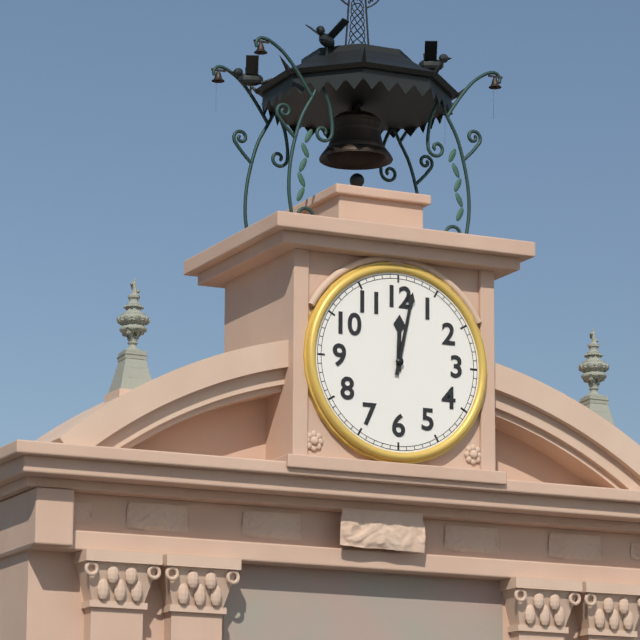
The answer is 12:02
